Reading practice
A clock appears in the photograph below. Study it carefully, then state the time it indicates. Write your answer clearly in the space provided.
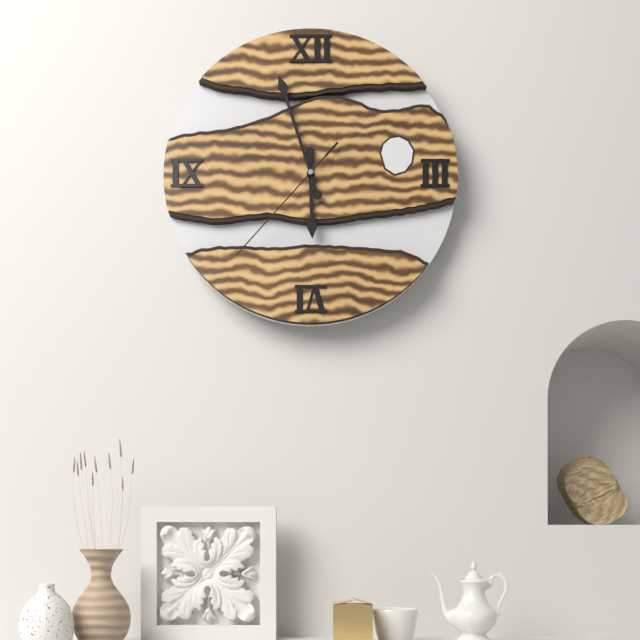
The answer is 5:57:37
